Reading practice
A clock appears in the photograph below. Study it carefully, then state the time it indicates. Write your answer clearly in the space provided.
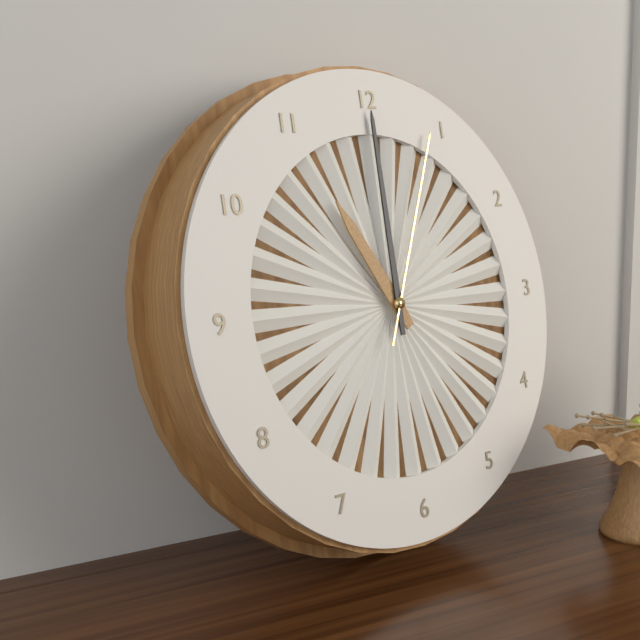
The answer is 11:00:04
